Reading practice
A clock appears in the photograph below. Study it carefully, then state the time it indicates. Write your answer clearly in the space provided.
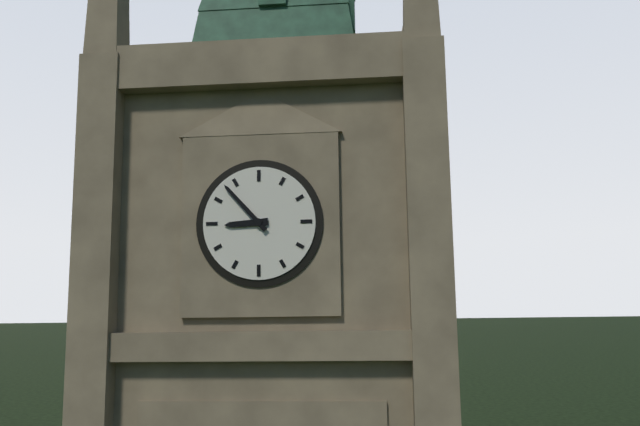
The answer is 8:53
